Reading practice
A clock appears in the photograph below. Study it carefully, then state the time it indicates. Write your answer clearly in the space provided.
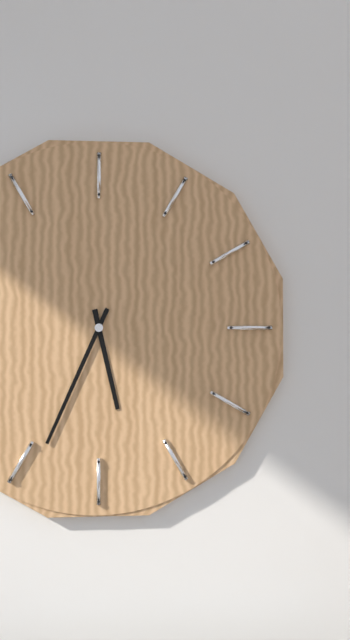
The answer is 5:34
